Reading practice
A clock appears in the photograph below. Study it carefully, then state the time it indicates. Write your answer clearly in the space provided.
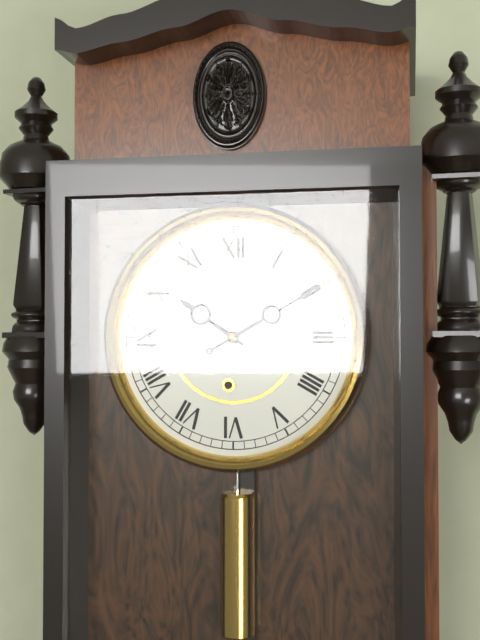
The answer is 10:10
